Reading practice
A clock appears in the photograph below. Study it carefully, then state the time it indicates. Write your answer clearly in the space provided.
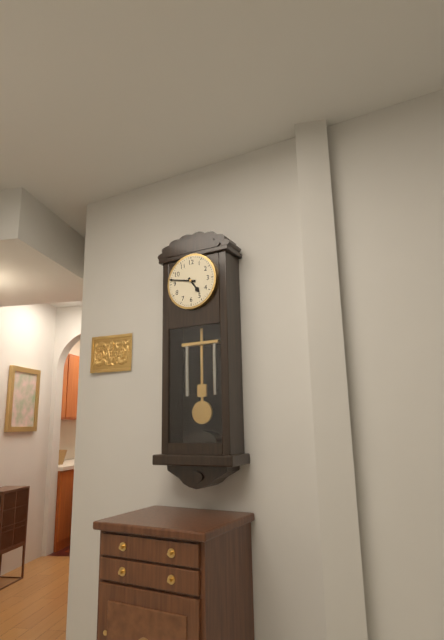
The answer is 4:47
